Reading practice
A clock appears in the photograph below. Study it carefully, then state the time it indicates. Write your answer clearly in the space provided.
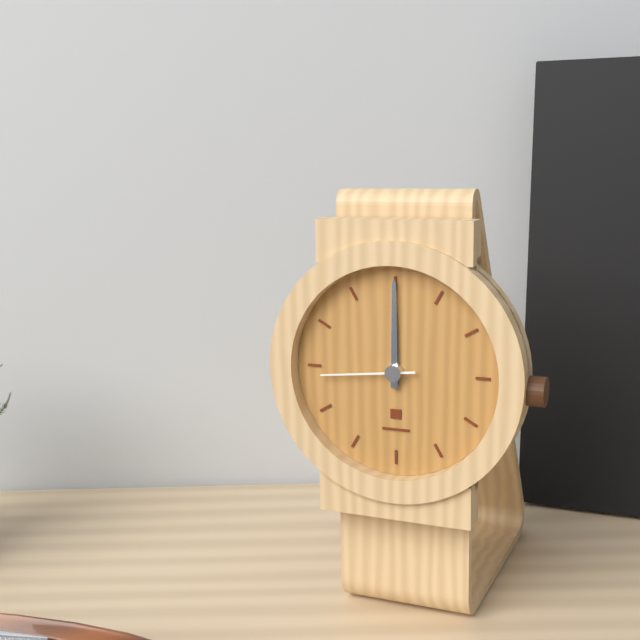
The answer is 12:00:44
